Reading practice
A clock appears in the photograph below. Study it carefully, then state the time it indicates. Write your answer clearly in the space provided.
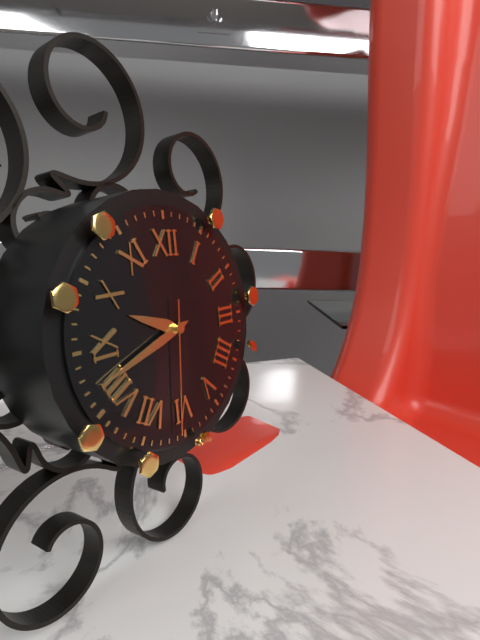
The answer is 9:42:31
